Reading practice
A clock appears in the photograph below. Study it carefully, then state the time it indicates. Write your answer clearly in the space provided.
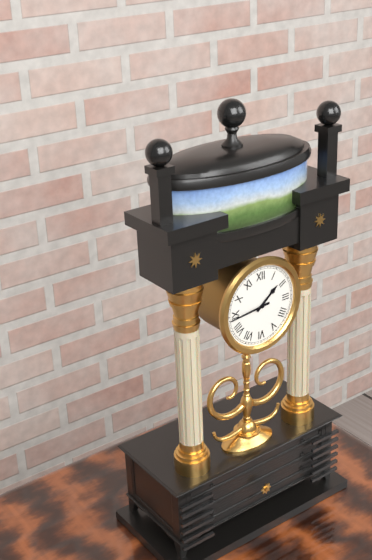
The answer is 1:44
